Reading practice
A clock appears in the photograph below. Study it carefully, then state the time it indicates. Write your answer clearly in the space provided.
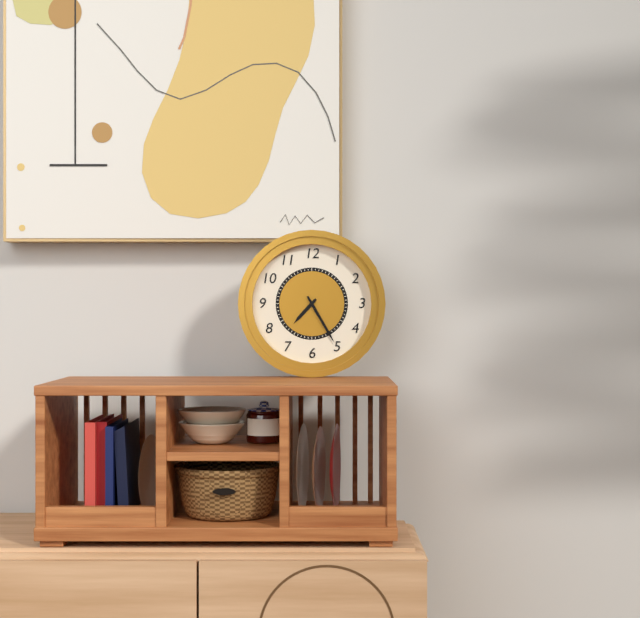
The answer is 7:25
